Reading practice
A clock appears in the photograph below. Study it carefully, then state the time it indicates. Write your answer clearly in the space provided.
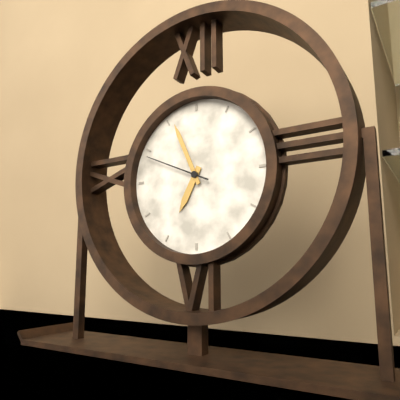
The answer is 6:56:49
